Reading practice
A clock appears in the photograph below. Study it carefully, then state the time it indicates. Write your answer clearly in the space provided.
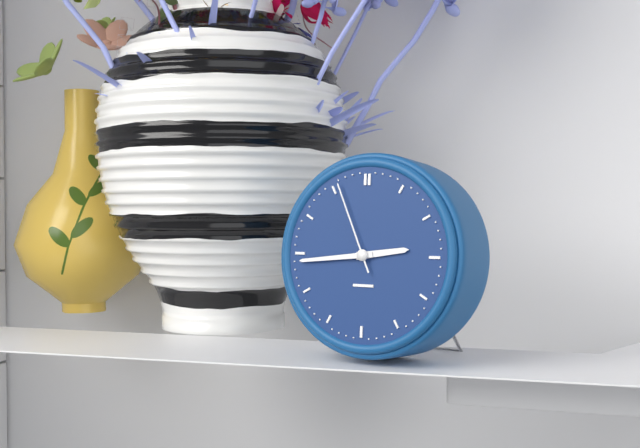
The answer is 2:44:56
